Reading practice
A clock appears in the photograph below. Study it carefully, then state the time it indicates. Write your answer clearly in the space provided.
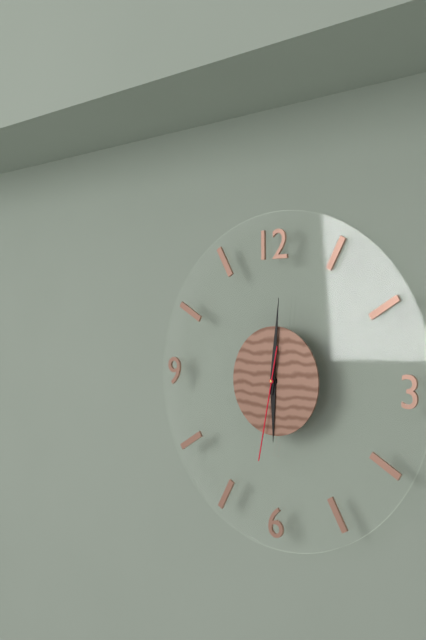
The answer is 6:01:32
